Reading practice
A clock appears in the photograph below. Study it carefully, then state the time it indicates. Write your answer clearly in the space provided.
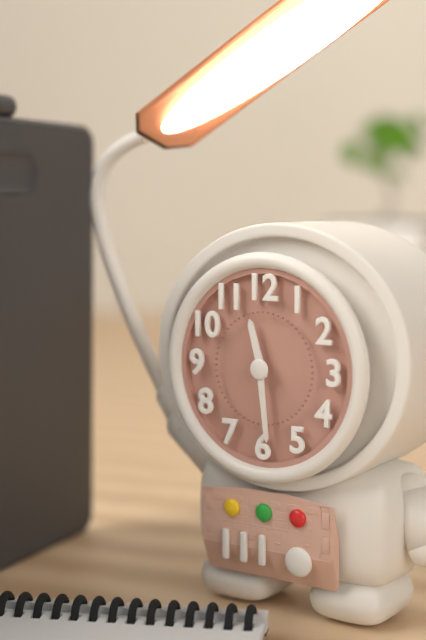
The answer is 11:29
